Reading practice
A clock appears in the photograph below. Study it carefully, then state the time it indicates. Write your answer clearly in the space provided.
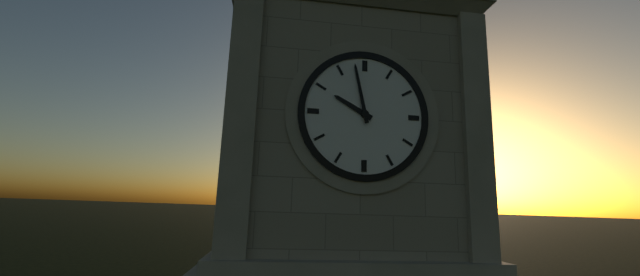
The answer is 9:58
